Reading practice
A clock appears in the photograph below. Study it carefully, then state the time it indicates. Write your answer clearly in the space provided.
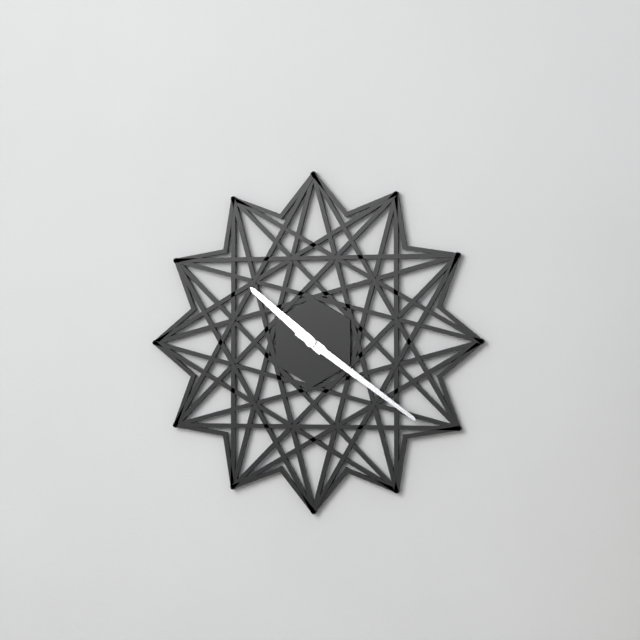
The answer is 10:21
